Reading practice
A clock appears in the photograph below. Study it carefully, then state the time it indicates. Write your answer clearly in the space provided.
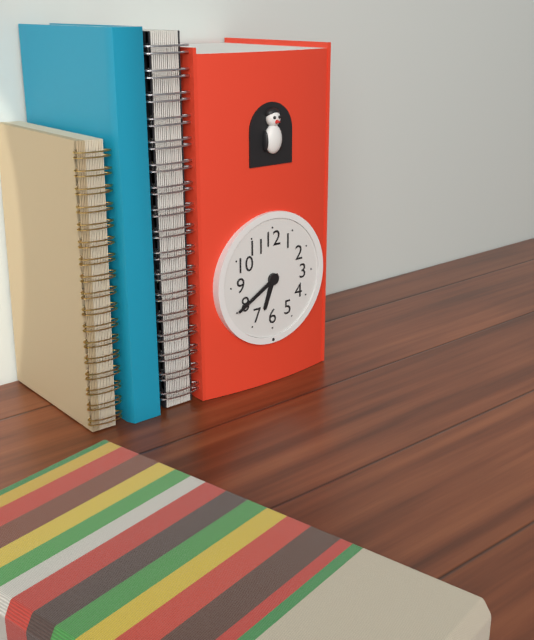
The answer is 6:40
